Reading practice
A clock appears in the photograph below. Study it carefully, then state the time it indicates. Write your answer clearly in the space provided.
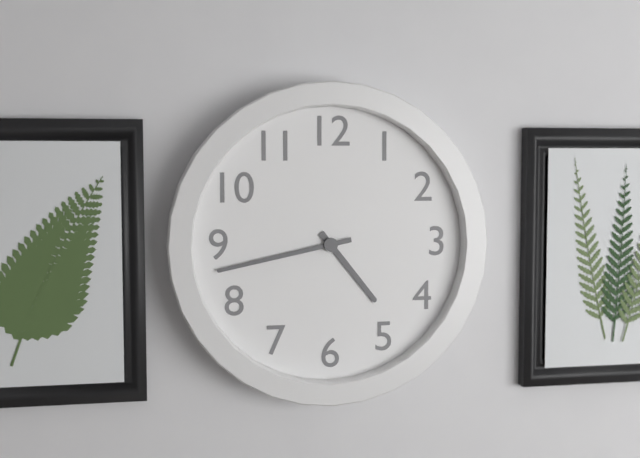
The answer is 4:43
